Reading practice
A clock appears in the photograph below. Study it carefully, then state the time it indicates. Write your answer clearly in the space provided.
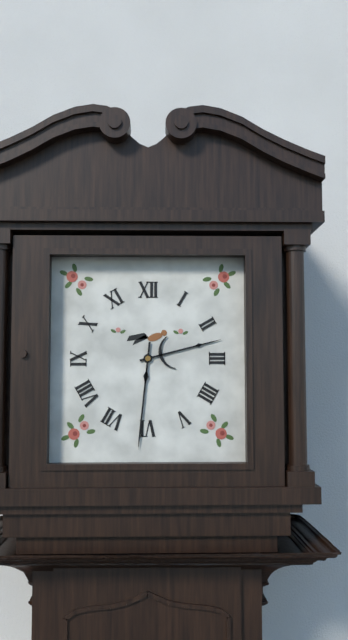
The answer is 2:31
